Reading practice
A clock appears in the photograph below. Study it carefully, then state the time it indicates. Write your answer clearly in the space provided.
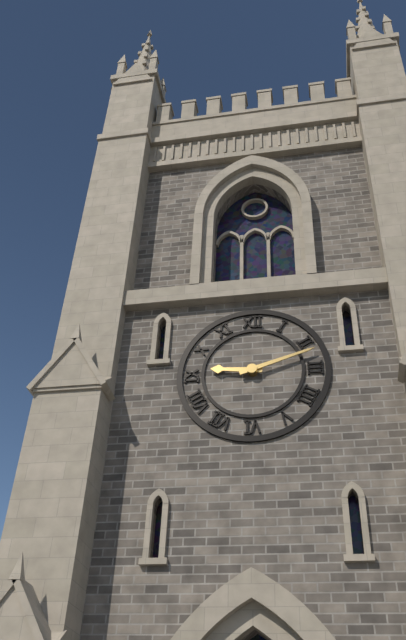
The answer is 9:12
